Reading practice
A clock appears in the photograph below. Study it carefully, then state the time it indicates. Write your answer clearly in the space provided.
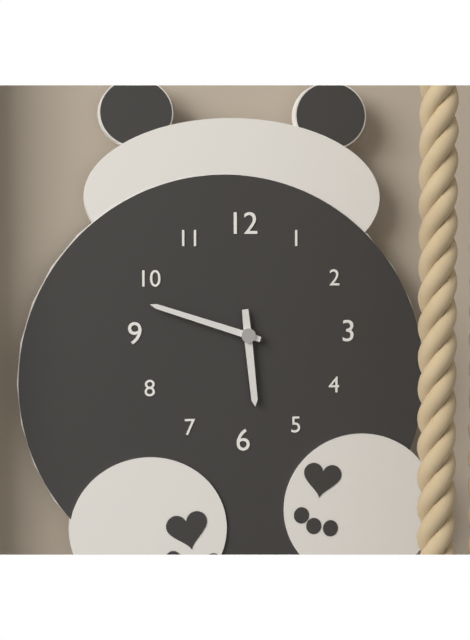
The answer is 5:48
